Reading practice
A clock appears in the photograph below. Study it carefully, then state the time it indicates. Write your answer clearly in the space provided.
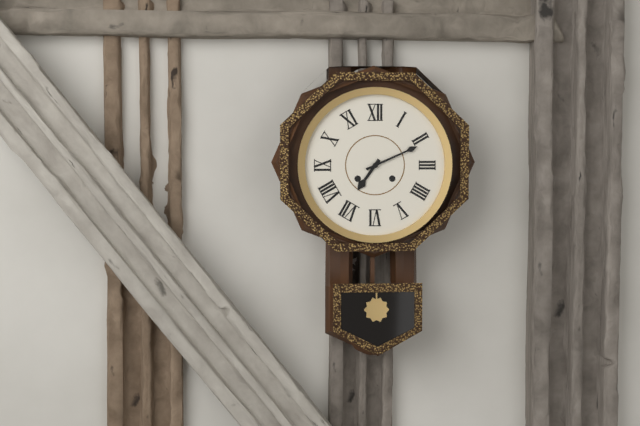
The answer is 7:11
